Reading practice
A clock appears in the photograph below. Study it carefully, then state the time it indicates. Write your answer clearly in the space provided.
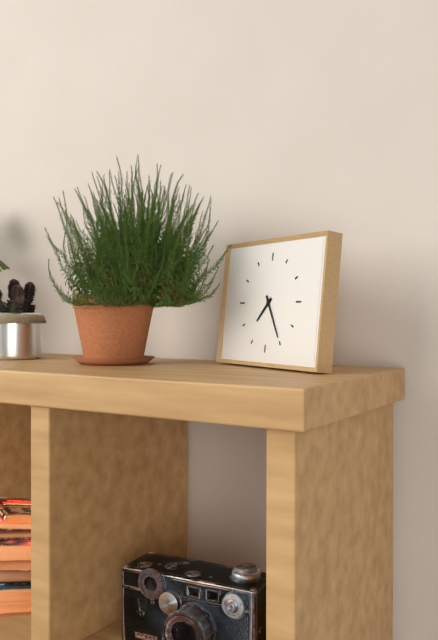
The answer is 7:25
